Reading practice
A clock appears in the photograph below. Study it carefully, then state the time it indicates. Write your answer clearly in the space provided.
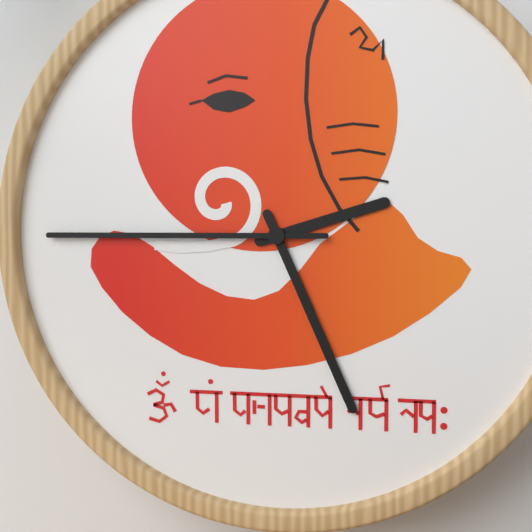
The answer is 2:26:45
